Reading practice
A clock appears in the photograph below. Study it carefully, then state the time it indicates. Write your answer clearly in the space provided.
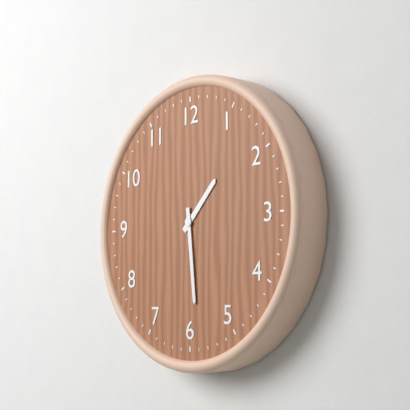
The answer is 1:29
